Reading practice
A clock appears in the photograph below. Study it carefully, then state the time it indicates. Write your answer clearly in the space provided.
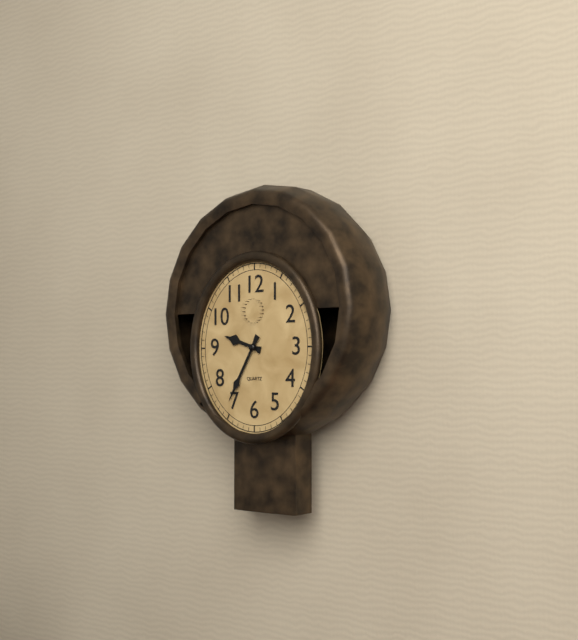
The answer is 9:35
